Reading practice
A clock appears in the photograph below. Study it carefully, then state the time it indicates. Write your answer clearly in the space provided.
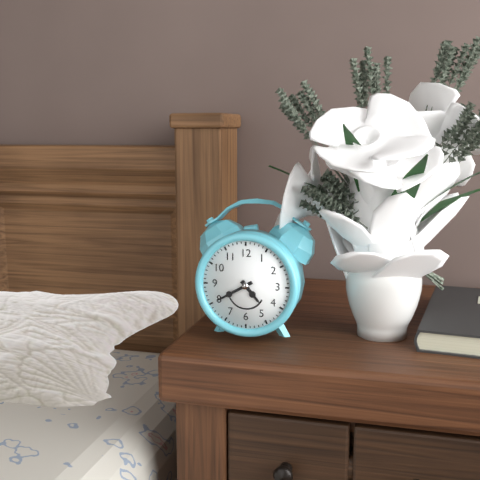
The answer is 4:40
